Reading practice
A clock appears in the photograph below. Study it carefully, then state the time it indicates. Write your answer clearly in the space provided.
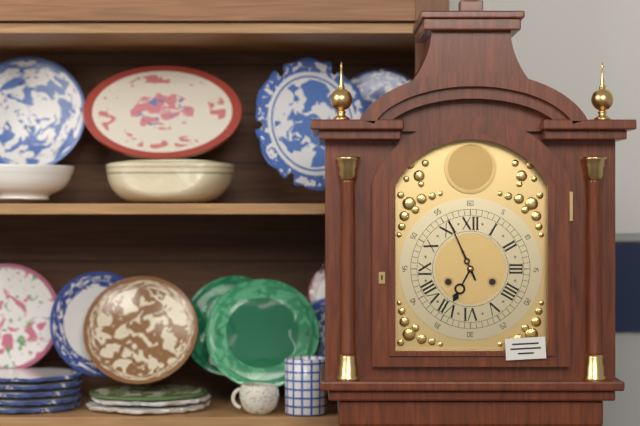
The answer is 6:56
